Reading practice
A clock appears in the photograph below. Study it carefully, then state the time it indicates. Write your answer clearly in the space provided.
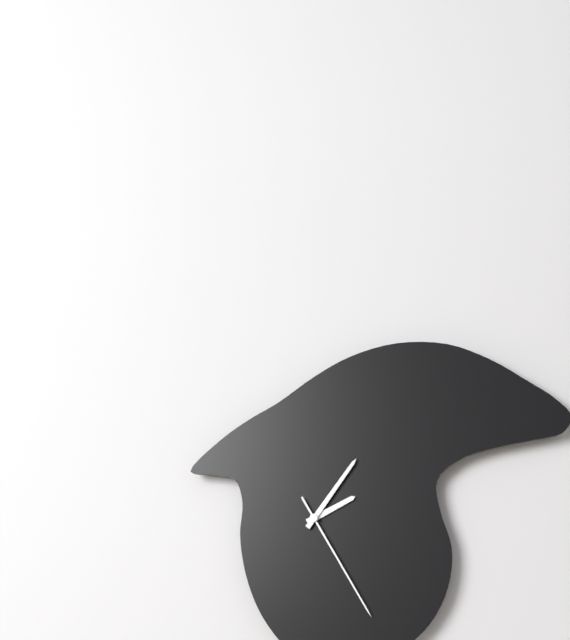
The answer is 2:06:25
